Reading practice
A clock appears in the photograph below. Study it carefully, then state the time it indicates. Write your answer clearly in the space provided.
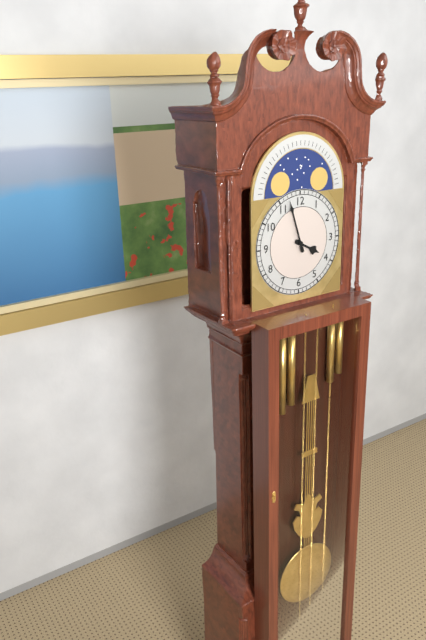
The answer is 3:57
